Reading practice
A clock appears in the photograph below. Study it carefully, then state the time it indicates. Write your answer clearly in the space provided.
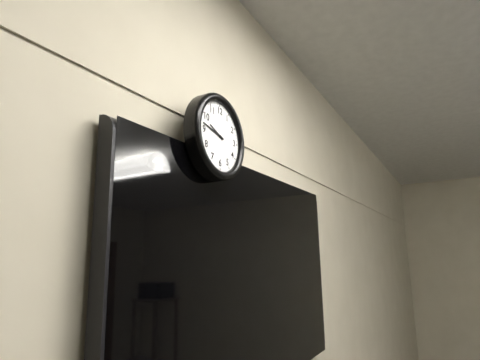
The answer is 9:47
